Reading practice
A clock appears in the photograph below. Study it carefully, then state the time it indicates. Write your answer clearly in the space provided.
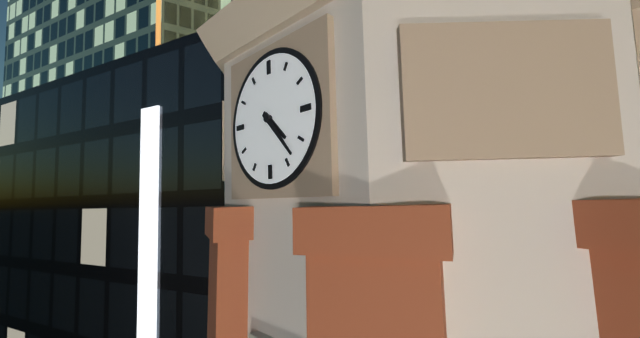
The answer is 4:23
